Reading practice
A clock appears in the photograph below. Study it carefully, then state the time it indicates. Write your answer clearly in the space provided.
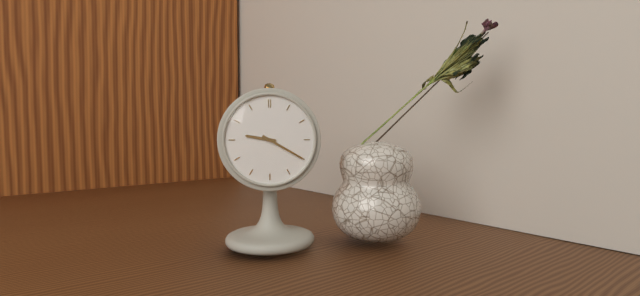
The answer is 9:20
